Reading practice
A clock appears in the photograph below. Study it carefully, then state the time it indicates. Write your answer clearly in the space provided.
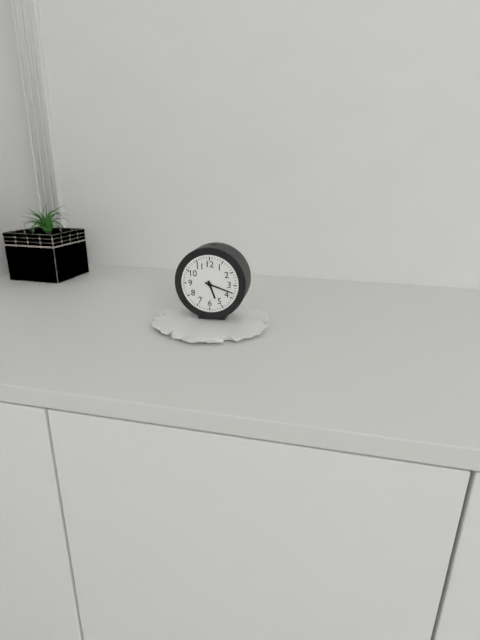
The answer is 5:18
